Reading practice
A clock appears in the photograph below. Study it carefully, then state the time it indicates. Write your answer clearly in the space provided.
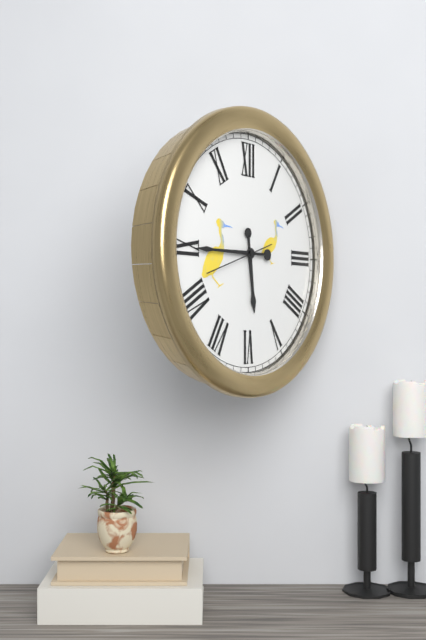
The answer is 5:45:42
